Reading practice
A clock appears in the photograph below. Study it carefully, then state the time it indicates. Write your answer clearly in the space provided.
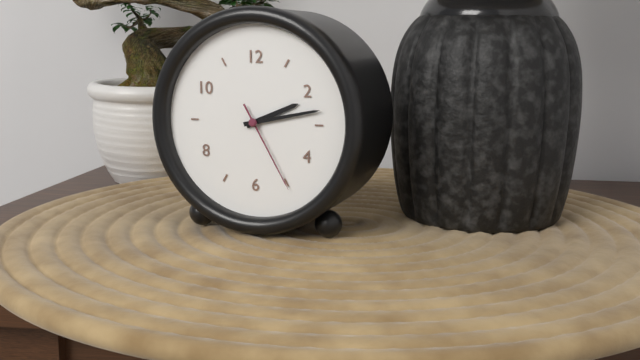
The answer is 2:13:25
